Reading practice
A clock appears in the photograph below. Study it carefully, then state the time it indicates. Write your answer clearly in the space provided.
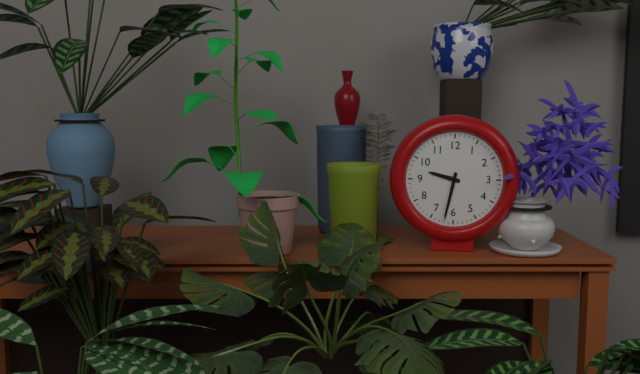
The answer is 9:32
